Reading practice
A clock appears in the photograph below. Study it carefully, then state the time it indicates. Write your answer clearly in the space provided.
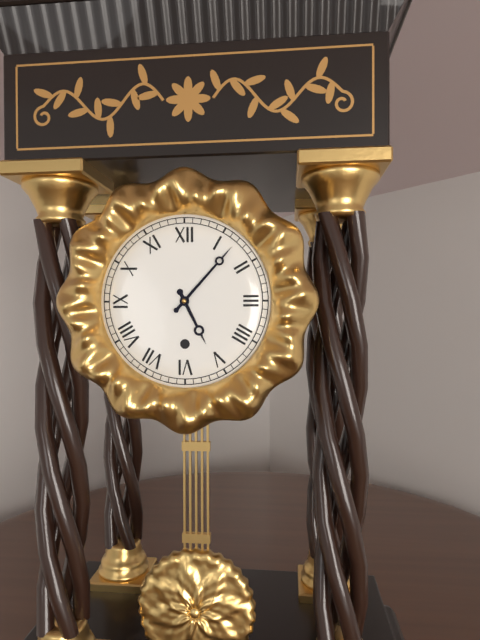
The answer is 5:07
